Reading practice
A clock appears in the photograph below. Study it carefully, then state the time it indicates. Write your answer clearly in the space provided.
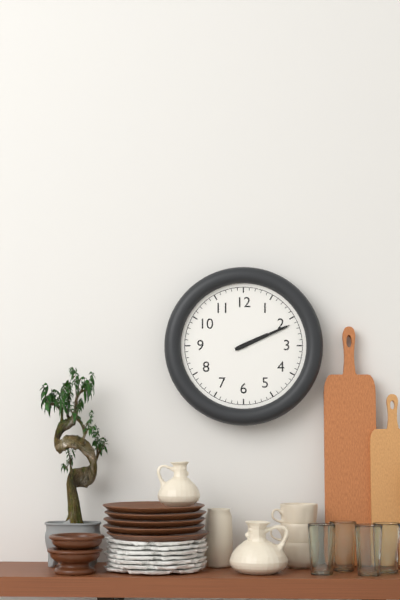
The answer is 2:11
